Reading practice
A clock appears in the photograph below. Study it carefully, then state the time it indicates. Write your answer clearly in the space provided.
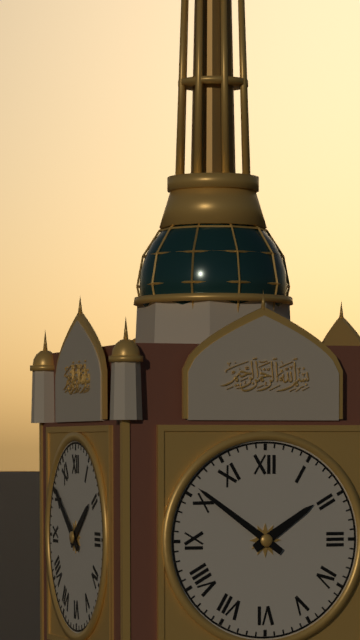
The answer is 1:51
